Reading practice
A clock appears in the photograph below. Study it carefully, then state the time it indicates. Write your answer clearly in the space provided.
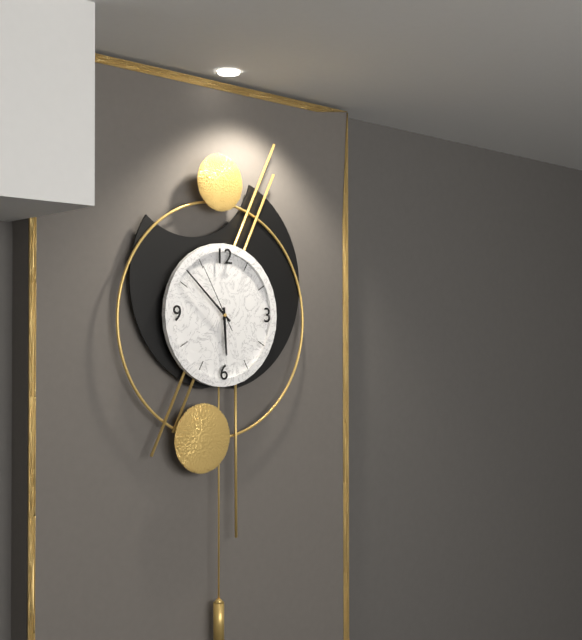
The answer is 5:52:55
